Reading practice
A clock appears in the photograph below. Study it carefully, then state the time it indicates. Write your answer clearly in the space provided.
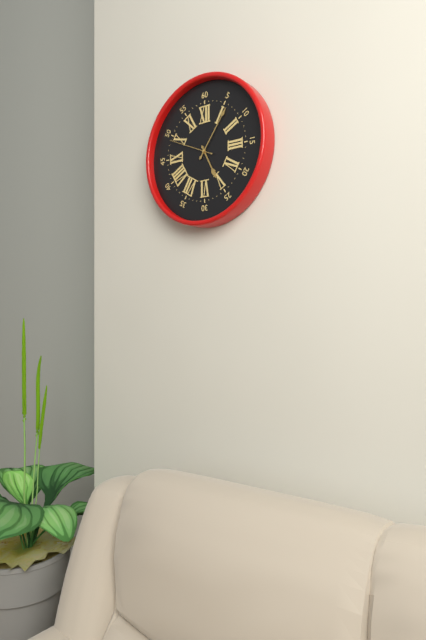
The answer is 5:06:49
